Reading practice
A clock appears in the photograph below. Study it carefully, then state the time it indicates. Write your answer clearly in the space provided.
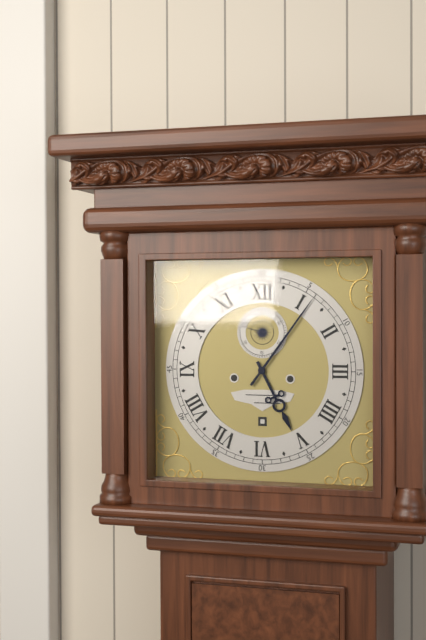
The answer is 5:06
